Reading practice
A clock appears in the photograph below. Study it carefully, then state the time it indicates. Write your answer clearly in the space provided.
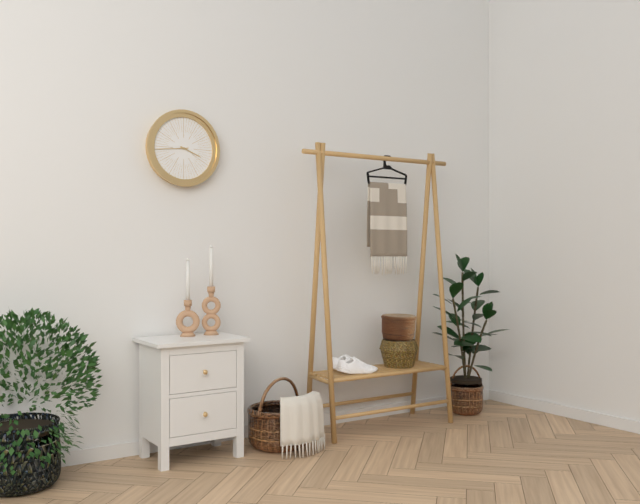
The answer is 3:44
